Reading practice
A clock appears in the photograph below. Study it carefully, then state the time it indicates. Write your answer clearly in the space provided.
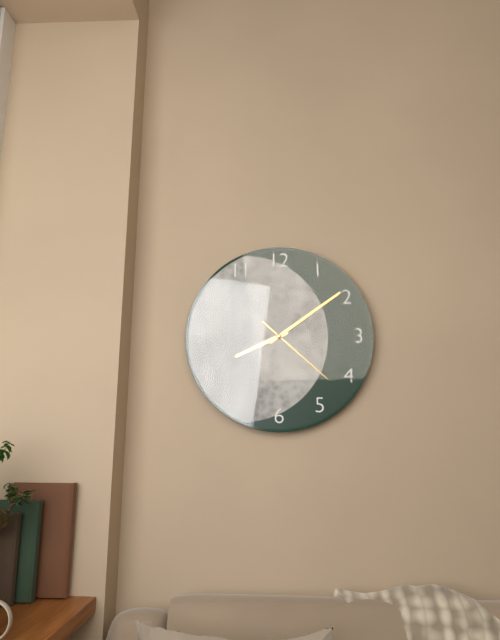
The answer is 8:09:22
